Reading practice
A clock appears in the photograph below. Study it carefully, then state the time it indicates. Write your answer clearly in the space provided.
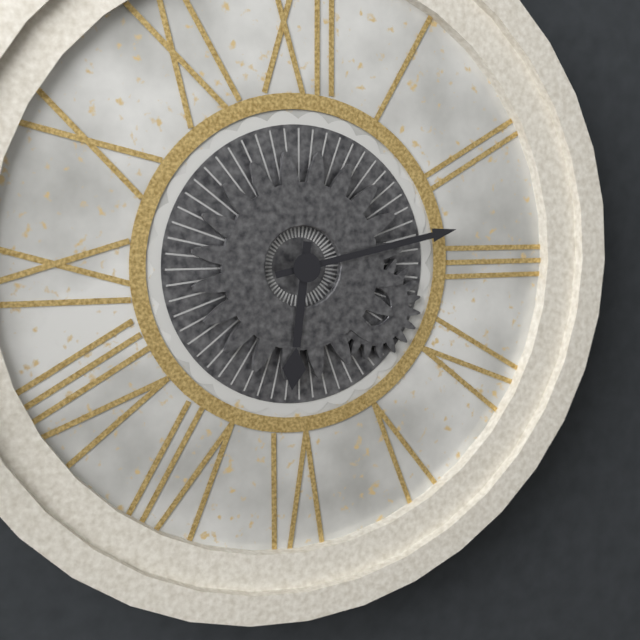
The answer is 6:13
